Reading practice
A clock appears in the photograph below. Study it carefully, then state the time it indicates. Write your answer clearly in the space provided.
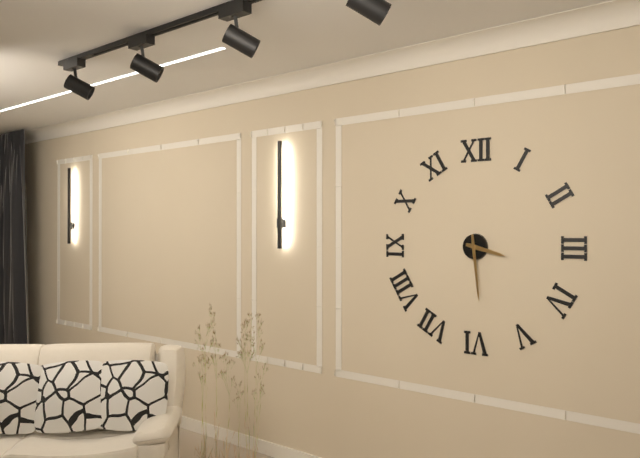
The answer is 3:29
